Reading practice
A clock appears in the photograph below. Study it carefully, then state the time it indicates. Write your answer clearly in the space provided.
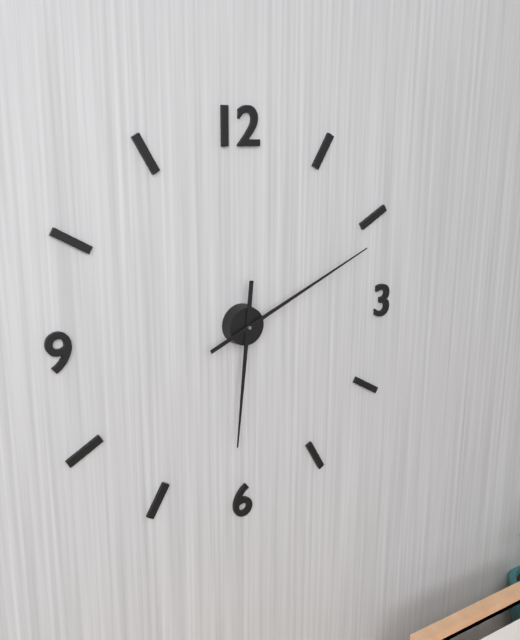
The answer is 6:11
